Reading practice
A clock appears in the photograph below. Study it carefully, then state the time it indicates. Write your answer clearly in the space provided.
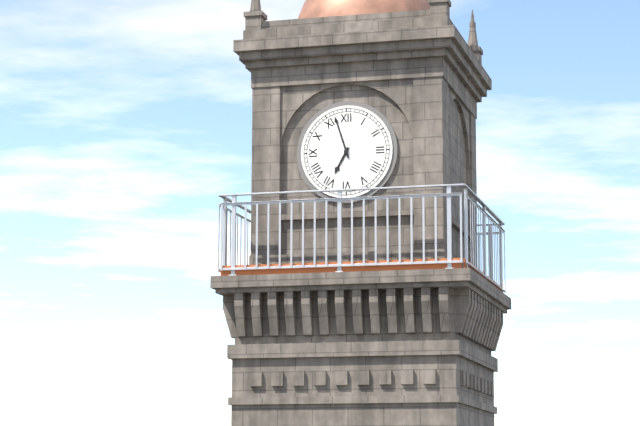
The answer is 6:57
